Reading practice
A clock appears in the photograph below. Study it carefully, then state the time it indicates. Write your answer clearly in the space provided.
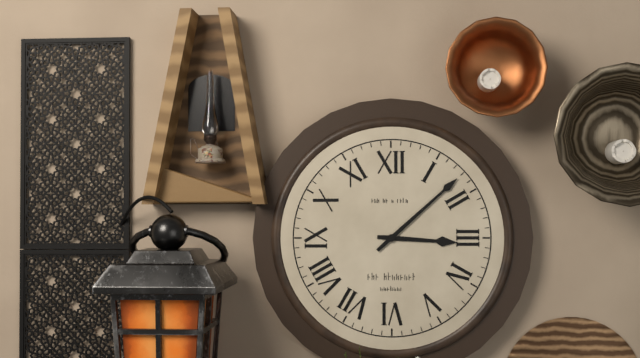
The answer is 3:08
